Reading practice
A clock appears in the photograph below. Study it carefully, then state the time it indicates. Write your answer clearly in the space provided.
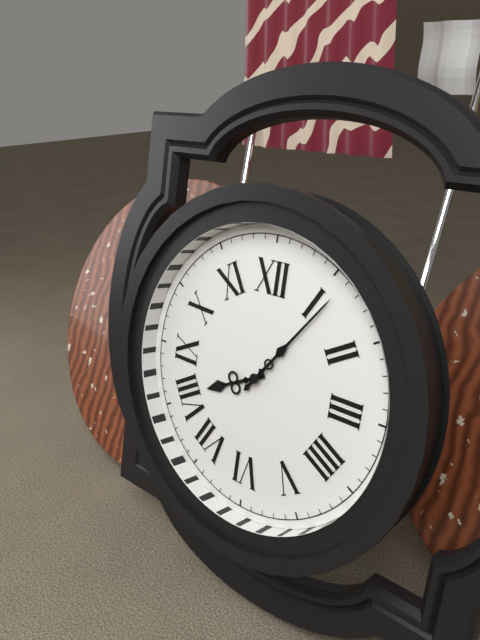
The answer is 8:06
